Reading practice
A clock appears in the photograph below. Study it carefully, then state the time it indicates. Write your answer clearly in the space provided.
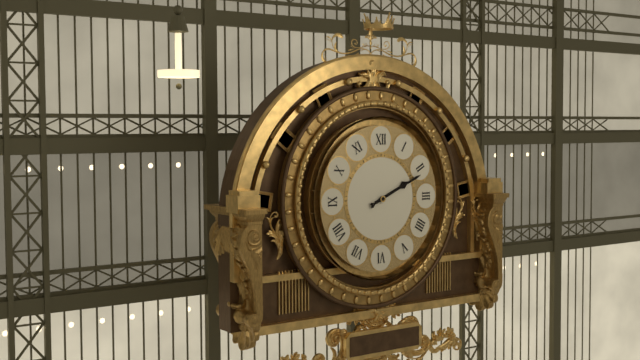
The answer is 2:11
